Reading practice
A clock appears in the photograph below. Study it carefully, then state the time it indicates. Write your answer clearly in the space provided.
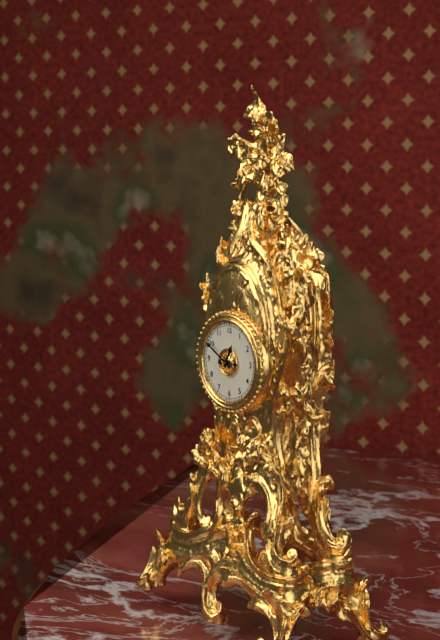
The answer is 12:50
